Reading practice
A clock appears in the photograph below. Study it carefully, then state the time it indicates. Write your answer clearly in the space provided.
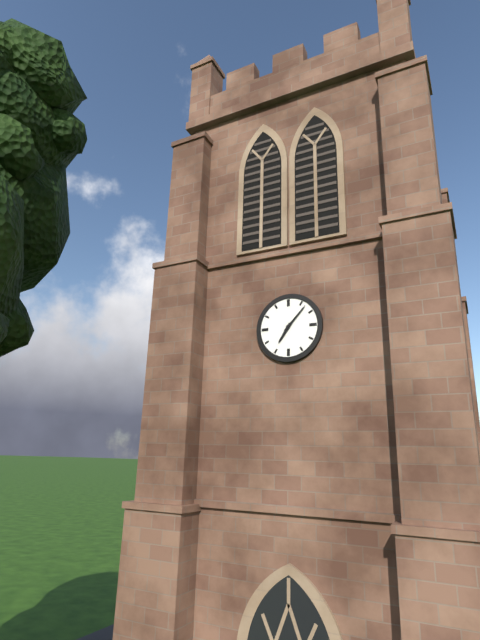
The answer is 7:07
